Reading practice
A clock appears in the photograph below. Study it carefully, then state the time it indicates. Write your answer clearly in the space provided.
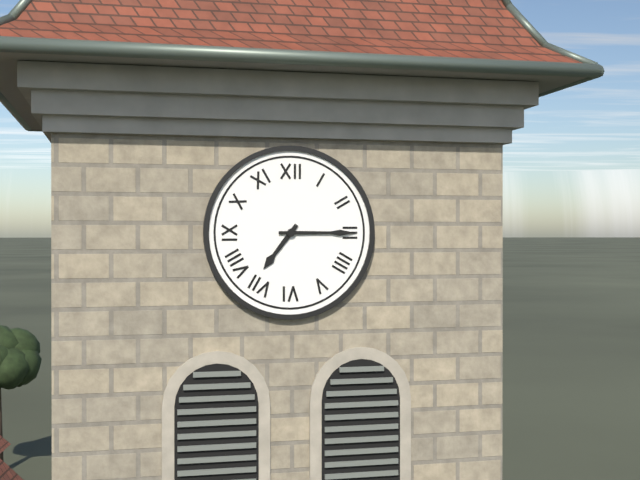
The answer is 7:15
